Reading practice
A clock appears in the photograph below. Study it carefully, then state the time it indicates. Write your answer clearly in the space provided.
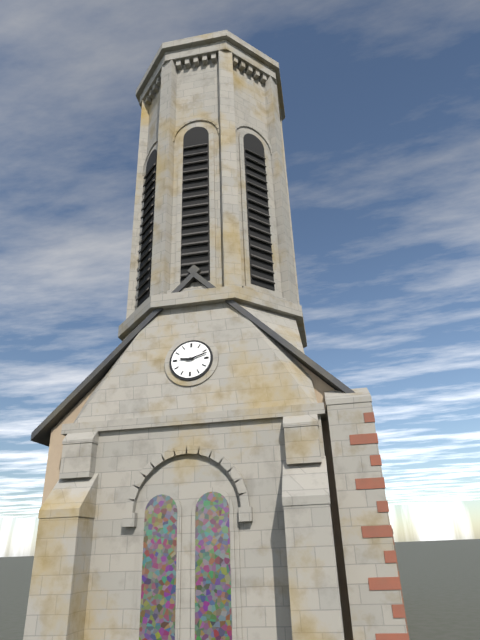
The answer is 9:12
